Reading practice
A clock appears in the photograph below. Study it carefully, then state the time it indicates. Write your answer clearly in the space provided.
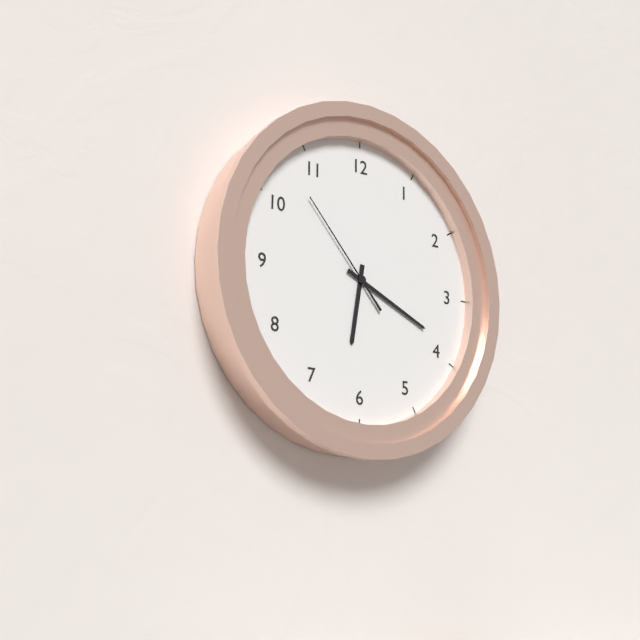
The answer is 6:19:53
